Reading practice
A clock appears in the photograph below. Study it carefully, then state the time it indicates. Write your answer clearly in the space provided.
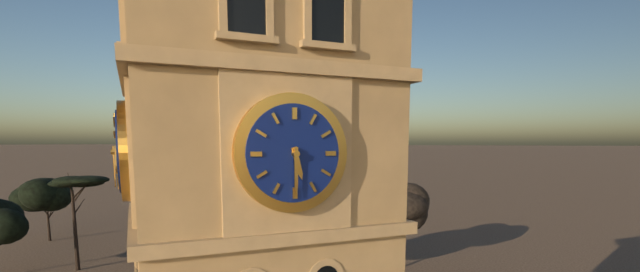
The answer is 5:30
